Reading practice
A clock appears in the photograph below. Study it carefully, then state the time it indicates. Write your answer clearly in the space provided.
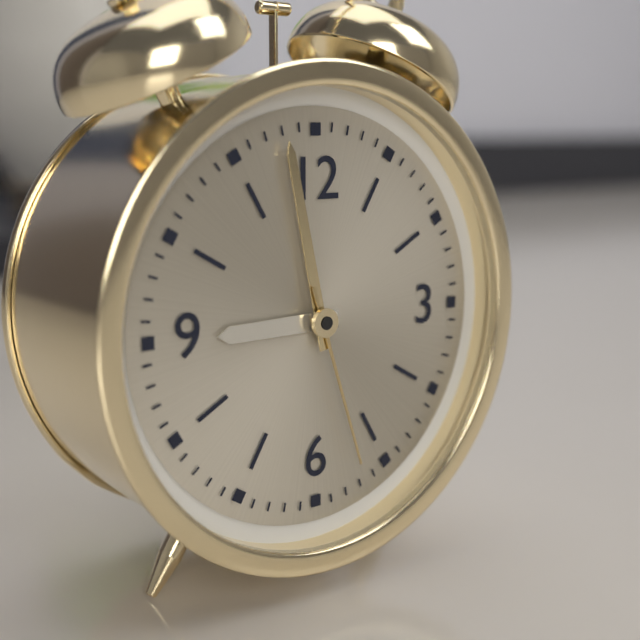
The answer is 8:58:27
